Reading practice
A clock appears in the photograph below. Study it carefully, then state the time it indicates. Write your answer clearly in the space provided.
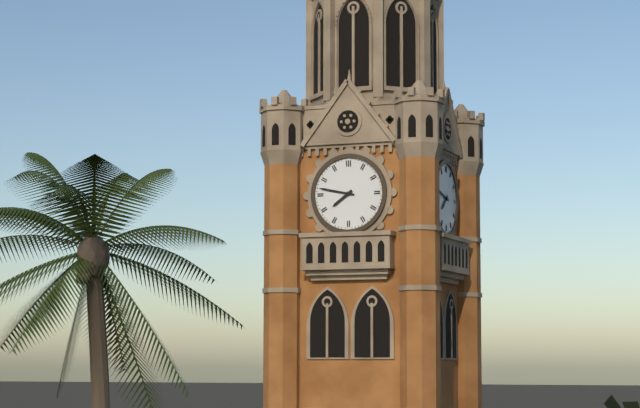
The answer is 7:47
